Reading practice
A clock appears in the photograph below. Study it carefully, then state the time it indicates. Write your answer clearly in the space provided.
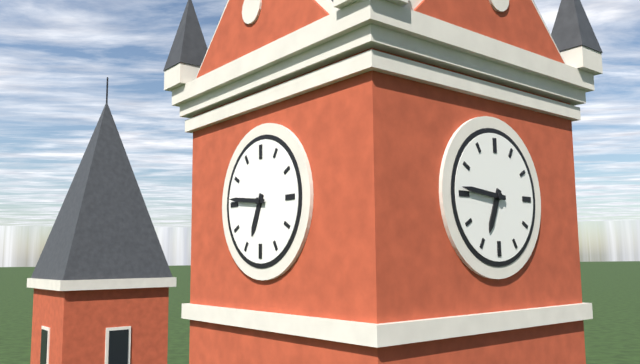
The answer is 6:46
